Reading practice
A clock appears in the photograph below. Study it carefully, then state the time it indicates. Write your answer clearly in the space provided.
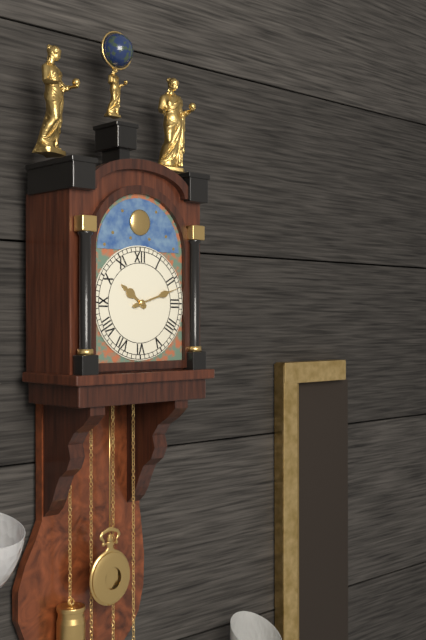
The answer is 10:12
